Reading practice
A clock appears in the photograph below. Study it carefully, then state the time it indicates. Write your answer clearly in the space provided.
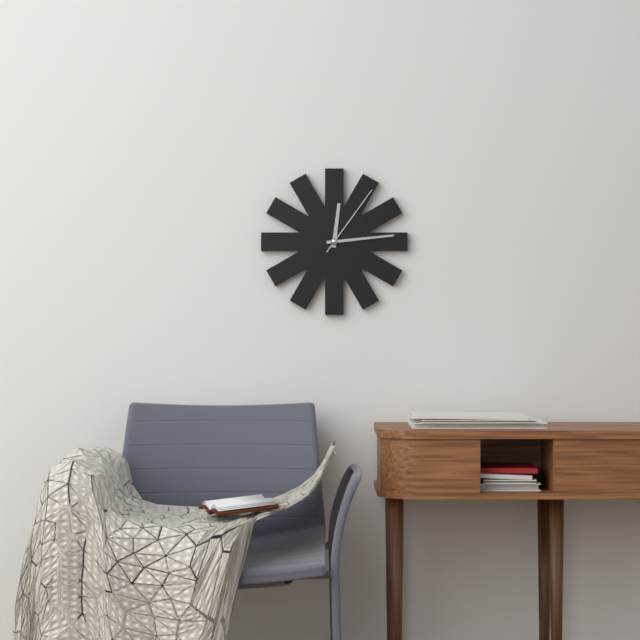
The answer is 12:14:06
